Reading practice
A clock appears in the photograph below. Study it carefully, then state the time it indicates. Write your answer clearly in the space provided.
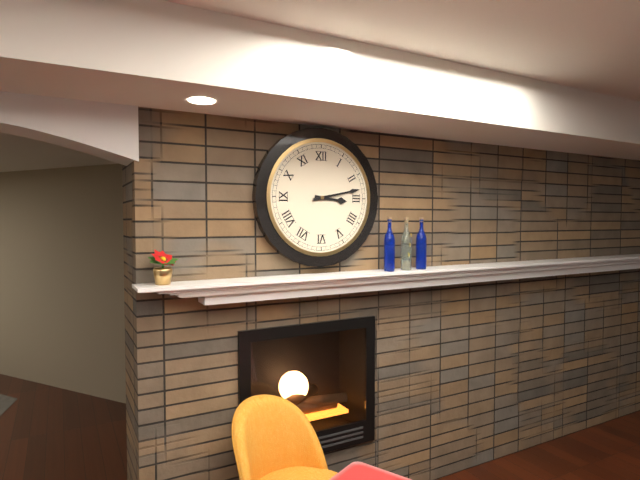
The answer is 3:13
